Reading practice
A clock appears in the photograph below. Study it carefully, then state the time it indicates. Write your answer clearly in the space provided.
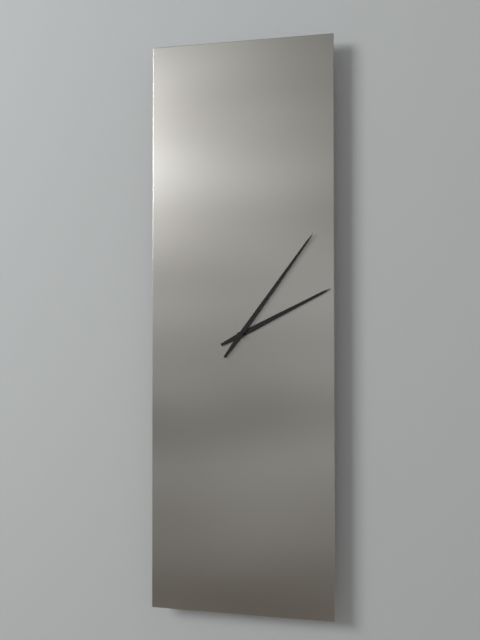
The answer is 2:06
